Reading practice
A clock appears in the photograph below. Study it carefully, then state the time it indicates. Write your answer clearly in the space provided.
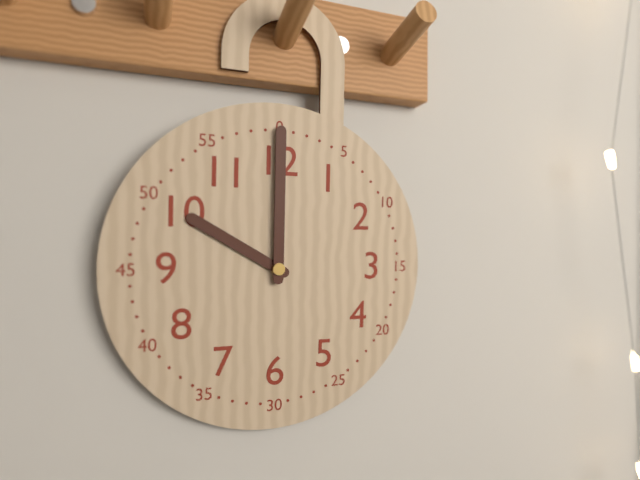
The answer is 10:00
